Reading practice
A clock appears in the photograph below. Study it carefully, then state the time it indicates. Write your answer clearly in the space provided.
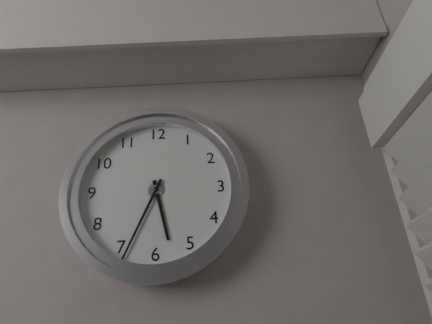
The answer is 5:34
